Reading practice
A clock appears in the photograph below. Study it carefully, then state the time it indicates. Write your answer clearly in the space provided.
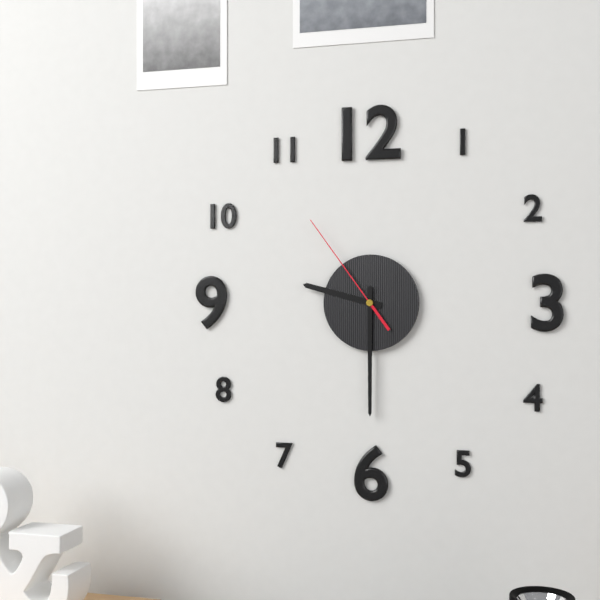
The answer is 9:30:54
